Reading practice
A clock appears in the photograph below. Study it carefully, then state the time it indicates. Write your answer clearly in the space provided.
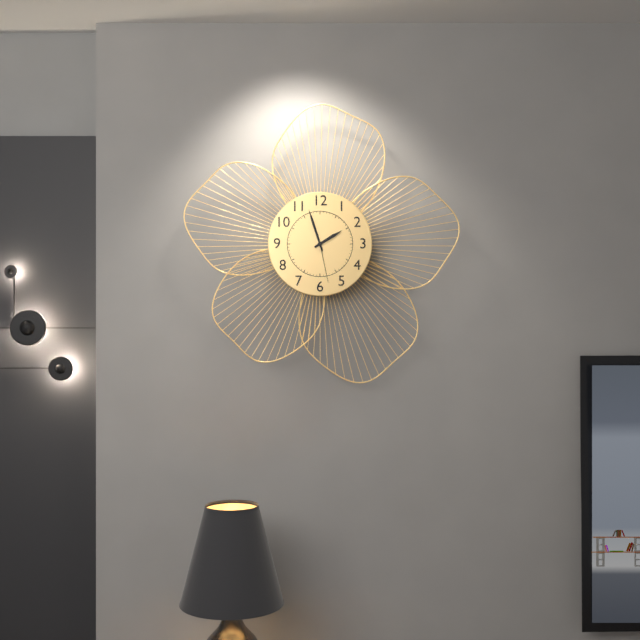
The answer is 1:57
